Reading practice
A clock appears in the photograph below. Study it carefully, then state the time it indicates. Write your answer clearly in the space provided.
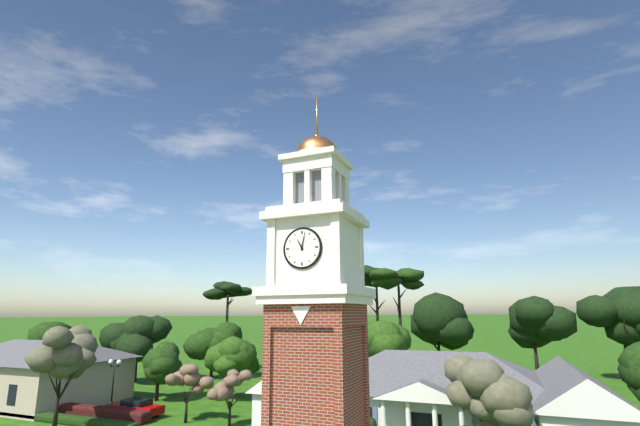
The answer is 11:02
